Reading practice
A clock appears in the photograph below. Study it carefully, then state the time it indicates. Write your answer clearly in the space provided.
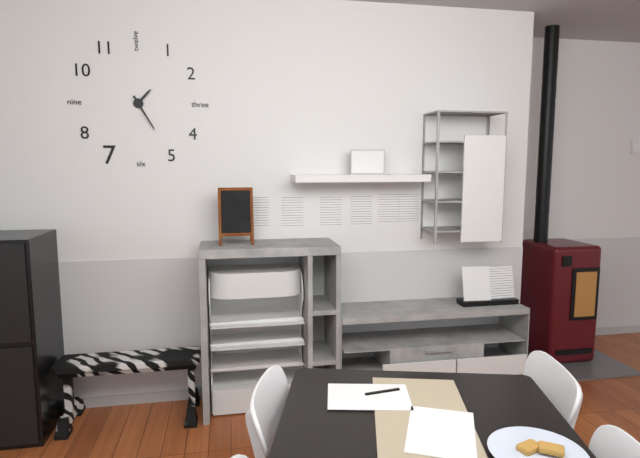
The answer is 1:25
